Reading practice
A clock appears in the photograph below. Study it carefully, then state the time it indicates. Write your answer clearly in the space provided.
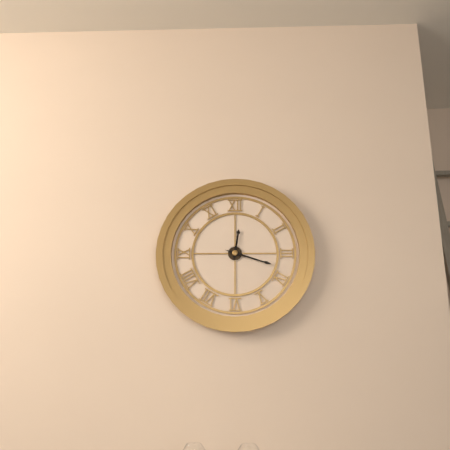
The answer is 12:18
